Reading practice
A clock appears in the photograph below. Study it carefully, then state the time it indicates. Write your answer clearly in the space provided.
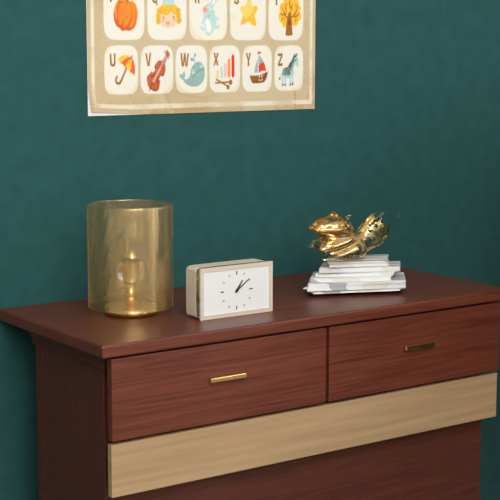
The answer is 1:09
